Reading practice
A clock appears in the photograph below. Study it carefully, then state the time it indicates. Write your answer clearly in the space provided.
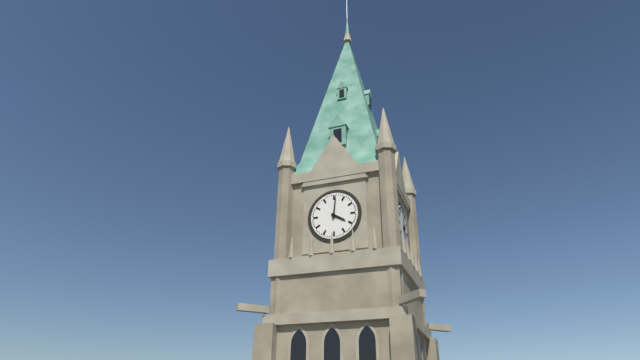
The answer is 4:01
